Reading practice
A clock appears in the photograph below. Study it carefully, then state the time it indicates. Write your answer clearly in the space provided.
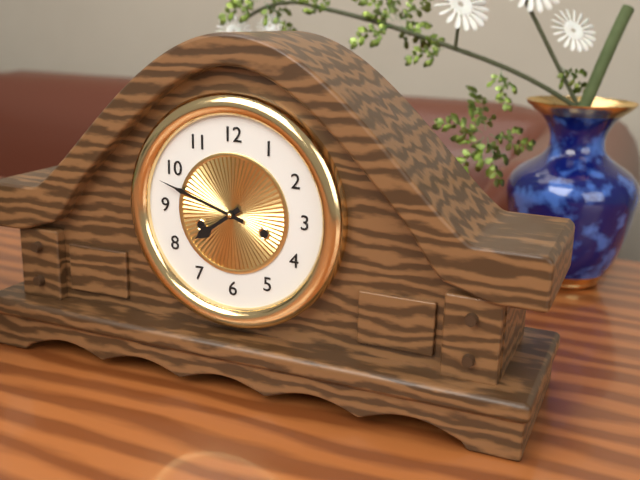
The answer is 7:48
